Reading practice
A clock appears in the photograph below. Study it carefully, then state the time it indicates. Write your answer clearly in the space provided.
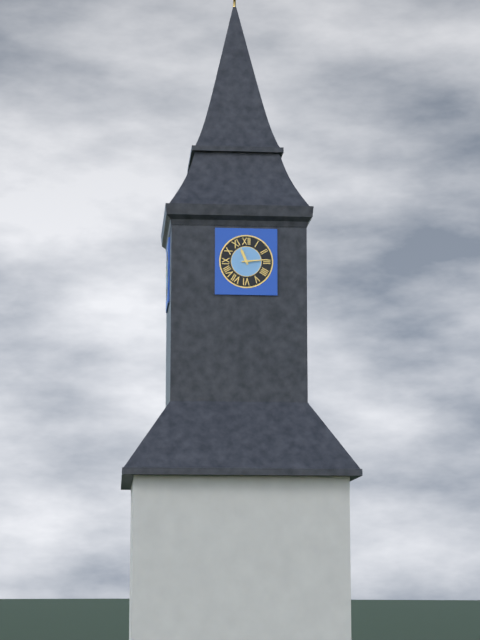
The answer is 11:14
